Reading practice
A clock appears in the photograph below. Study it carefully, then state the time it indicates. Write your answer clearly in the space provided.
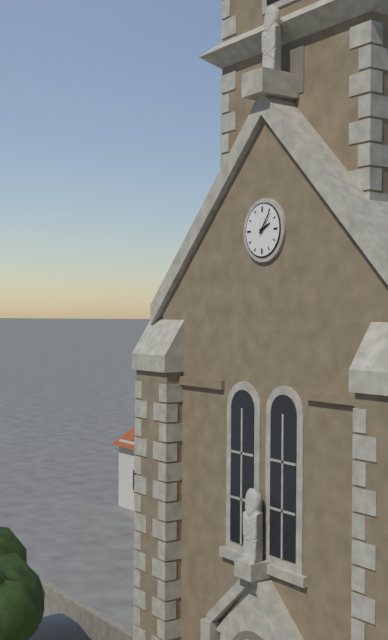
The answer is 2:06
